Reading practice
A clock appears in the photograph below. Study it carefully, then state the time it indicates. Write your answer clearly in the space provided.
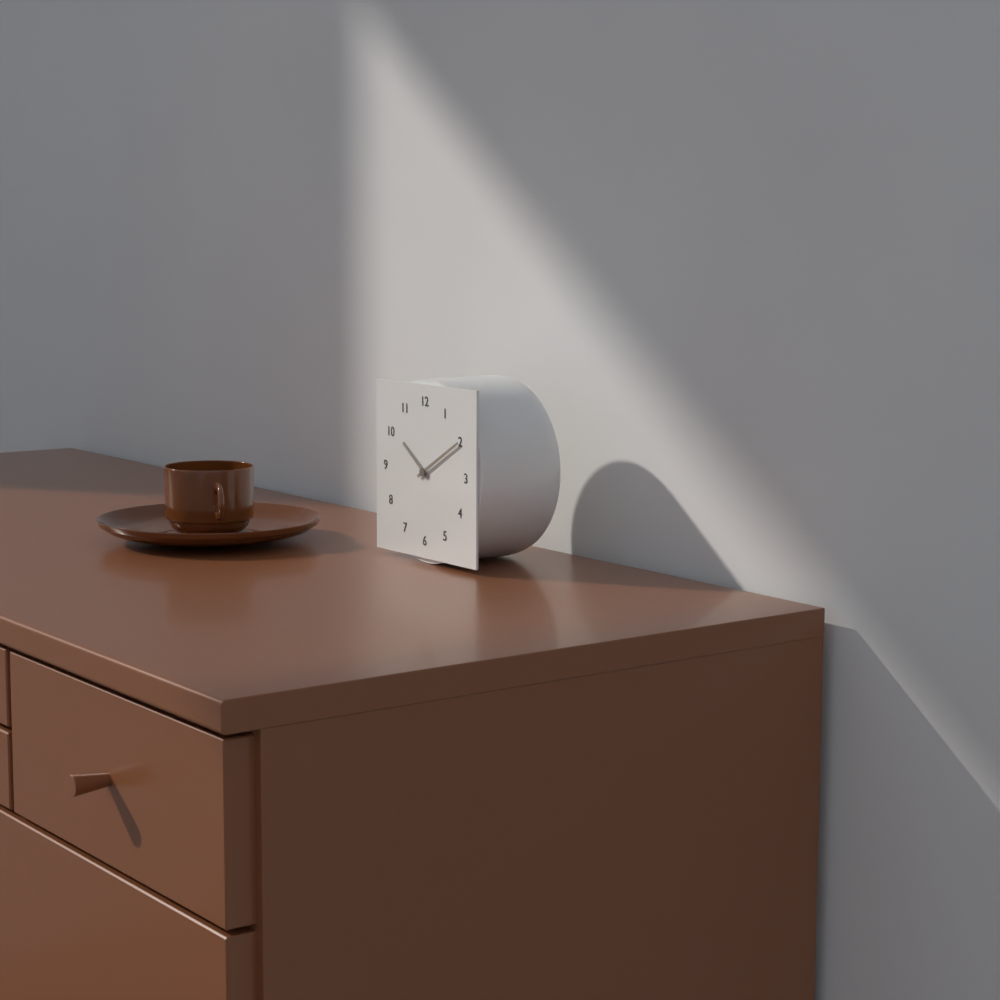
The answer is 10:10
